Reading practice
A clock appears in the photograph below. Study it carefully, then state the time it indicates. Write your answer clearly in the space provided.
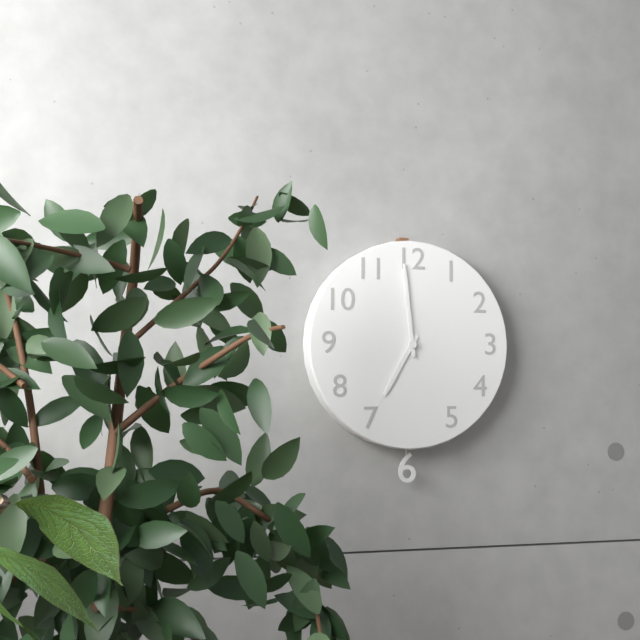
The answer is 6:59
